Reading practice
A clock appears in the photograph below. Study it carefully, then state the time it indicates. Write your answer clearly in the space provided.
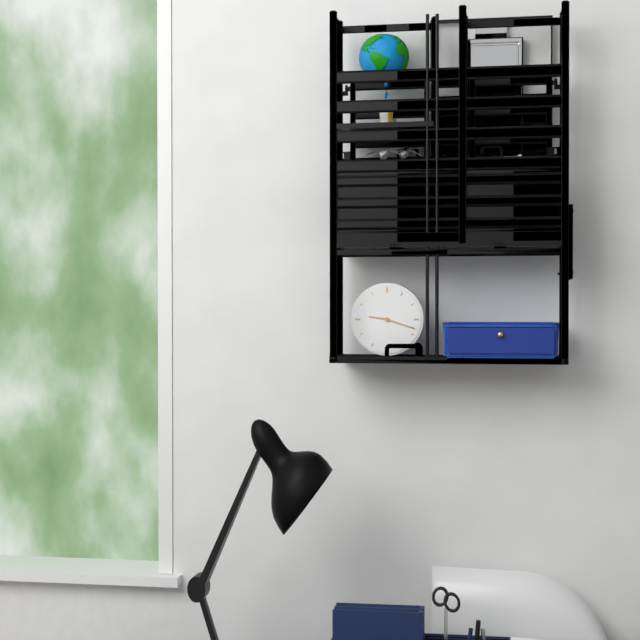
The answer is 9:18
